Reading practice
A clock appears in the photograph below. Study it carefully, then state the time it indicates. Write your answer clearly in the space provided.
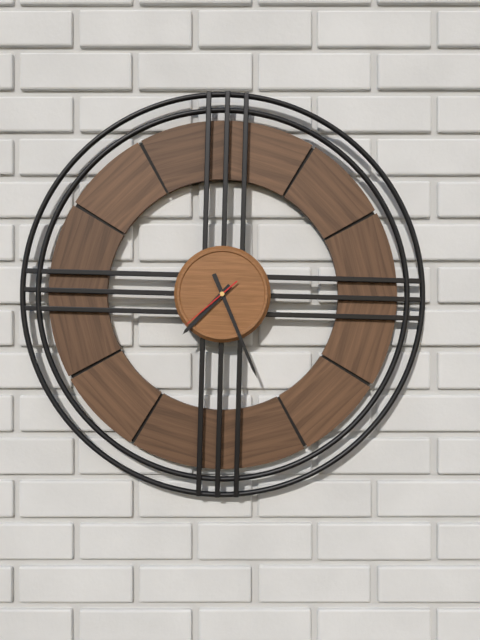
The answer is 7:26:38
